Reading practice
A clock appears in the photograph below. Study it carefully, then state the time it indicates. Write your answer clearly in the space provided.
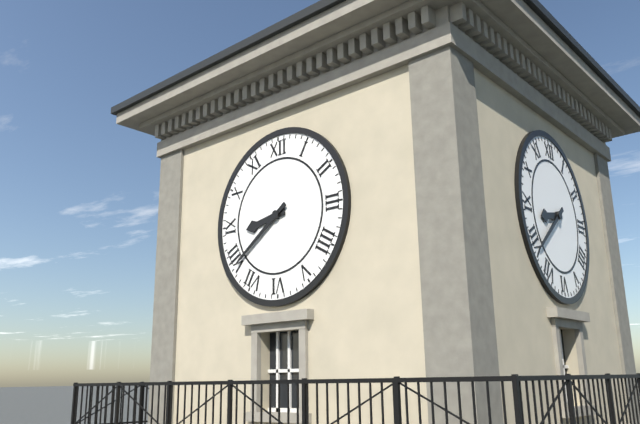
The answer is 8:39
